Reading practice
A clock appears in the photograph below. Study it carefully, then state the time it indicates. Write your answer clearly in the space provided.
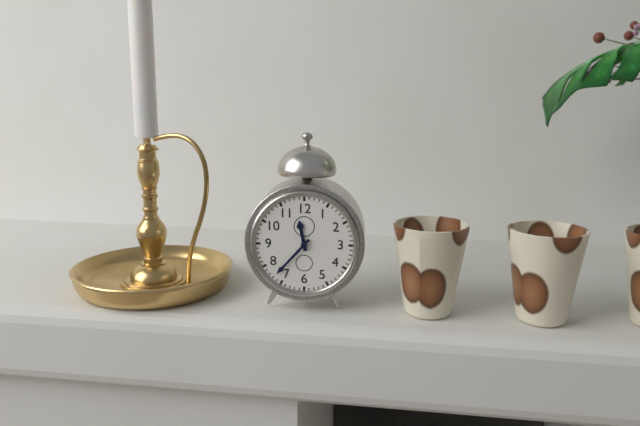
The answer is 11:37
